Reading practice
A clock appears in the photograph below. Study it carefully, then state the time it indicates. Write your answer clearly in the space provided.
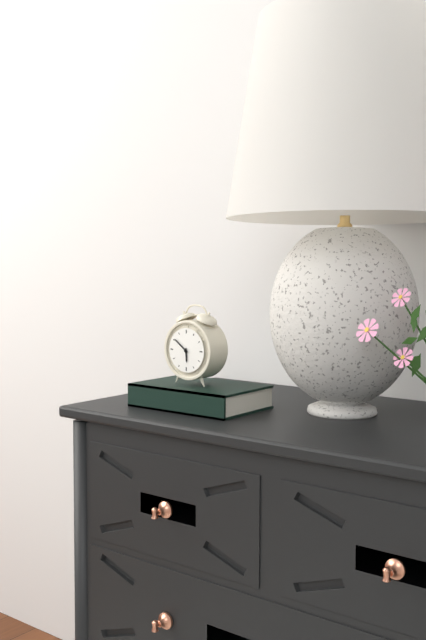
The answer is 5:51
